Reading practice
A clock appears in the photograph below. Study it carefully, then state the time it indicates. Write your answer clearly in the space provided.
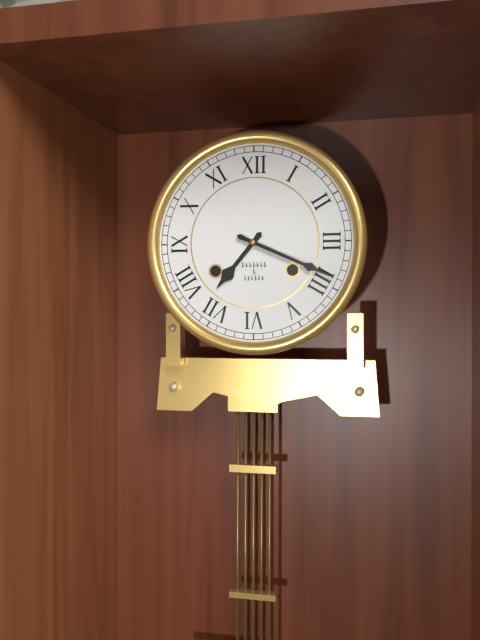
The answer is 7:19
